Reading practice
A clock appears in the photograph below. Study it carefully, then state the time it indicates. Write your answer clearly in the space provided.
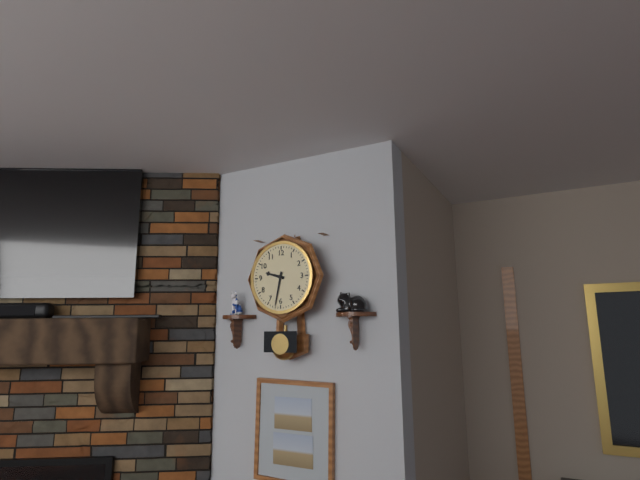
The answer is 9:32
